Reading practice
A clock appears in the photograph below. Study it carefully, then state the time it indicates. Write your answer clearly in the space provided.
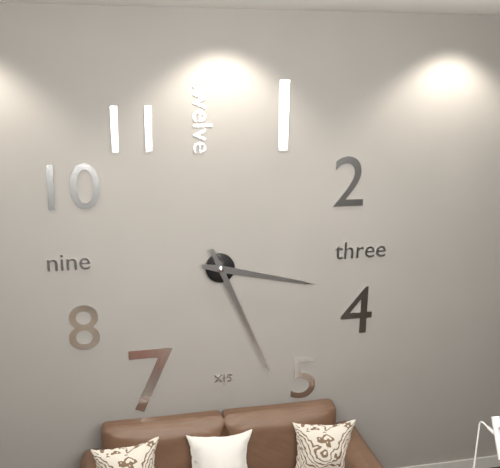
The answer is 3:26
